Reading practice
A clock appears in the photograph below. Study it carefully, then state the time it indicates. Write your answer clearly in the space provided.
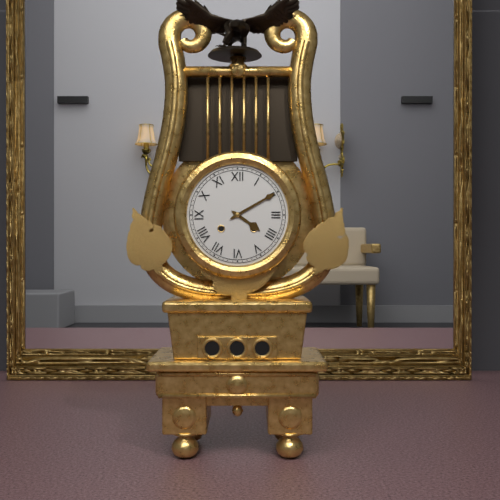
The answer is 4:10
